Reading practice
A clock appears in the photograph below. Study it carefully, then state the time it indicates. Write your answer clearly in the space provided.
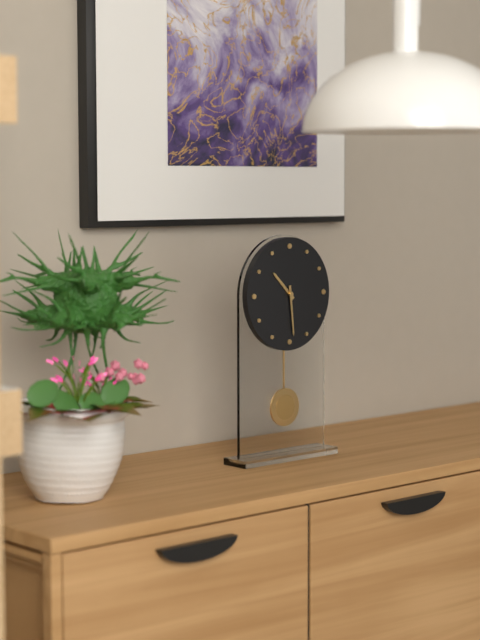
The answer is 10:29
